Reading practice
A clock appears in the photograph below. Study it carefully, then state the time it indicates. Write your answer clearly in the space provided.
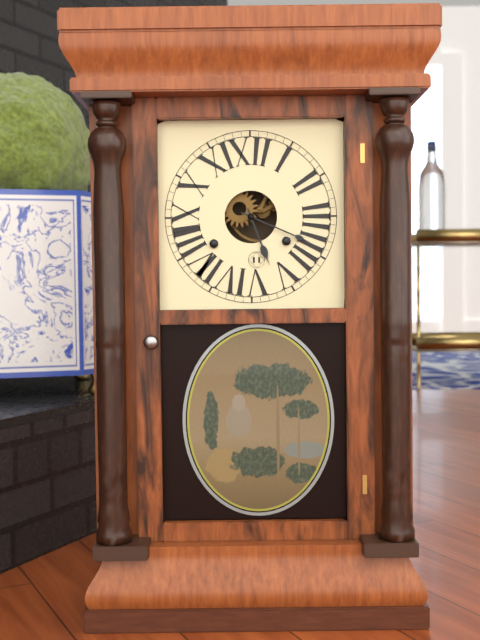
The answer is 5:19
